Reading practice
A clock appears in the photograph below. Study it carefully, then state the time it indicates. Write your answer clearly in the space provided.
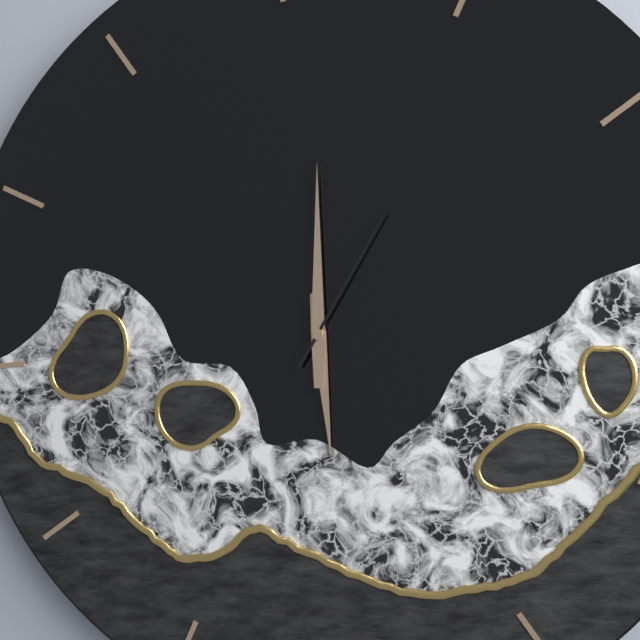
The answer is 6:01:06
